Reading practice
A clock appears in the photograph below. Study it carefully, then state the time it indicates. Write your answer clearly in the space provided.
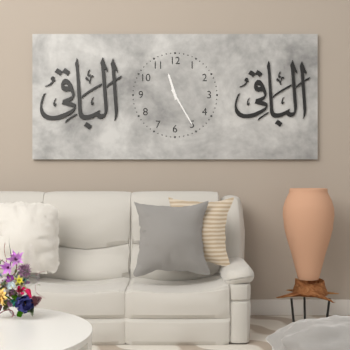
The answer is 11:25
